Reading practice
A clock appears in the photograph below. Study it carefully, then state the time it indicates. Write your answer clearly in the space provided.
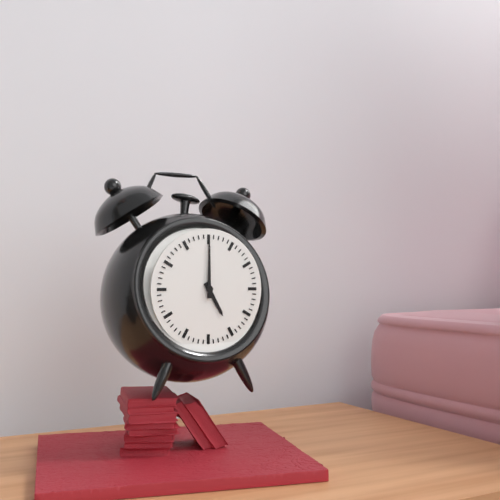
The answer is 5:00
